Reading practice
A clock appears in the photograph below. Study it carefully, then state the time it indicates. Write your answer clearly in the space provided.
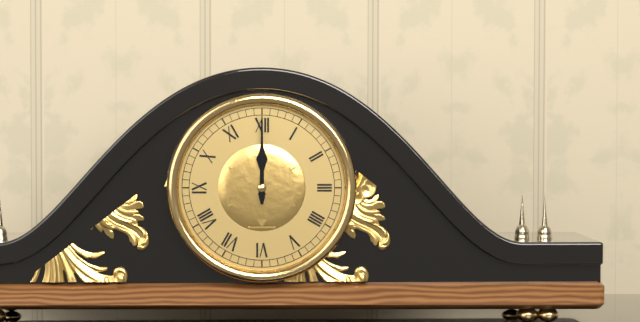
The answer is 12:00
